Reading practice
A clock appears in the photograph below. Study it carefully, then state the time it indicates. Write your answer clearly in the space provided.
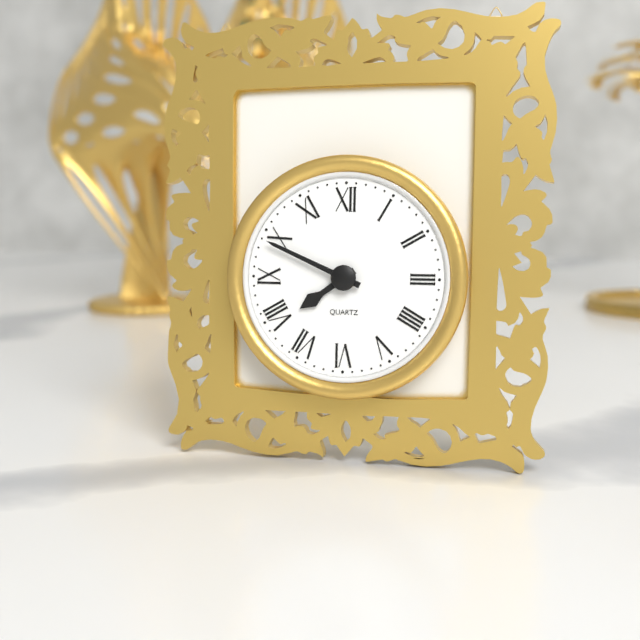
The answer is 7:49
